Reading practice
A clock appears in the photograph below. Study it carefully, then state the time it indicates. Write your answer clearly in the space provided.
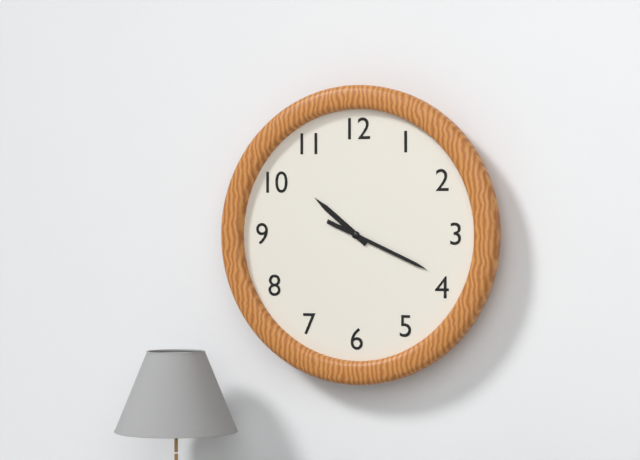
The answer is 10:19
